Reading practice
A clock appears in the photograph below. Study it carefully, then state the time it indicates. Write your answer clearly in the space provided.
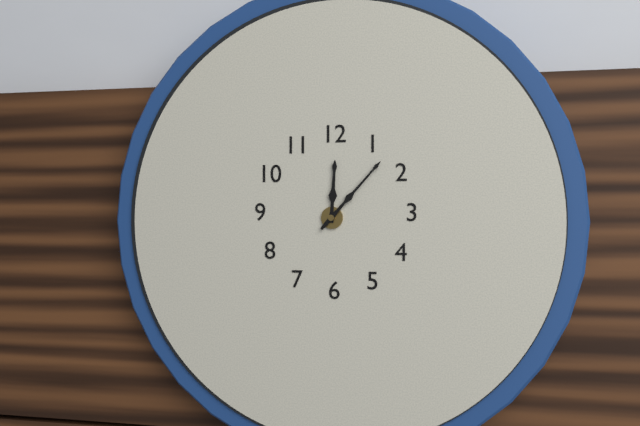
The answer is 12:07
